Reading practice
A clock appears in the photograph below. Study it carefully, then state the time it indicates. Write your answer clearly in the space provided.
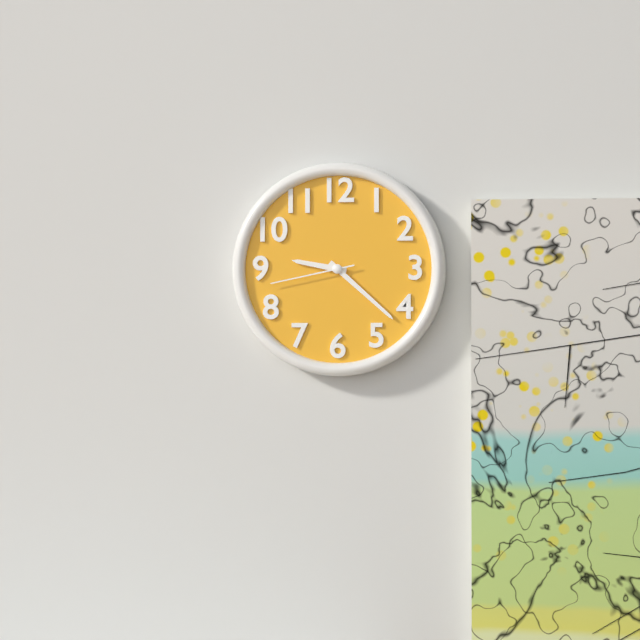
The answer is 9:22:43
